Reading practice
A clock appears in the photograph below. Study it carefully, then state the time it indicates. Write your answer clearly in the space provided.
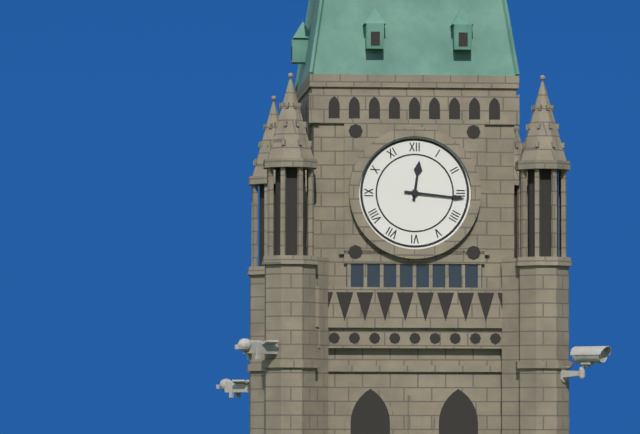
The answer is 12:16
